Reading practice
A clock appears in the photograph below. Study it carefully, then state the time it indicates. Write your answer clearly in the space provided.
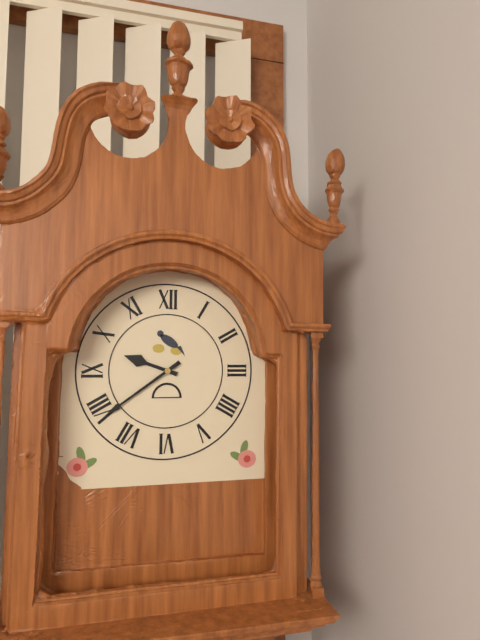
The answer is 9:39
